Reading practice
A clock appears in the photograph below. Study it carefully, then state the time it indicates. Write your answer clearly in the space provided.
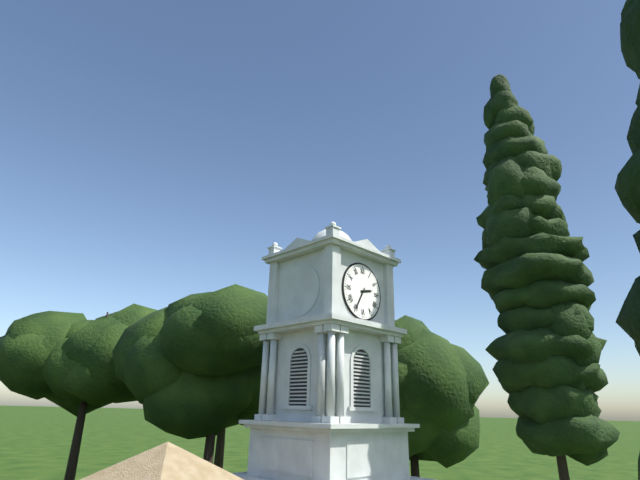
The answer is 2:35
